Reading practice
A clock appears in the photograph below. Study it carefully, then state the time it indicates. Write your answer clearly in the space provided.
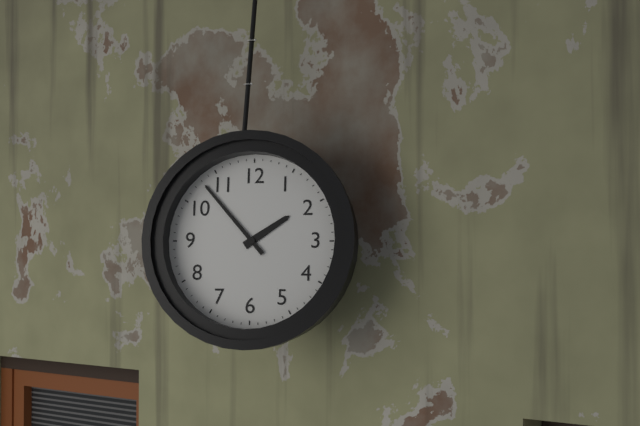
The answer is 1:53
